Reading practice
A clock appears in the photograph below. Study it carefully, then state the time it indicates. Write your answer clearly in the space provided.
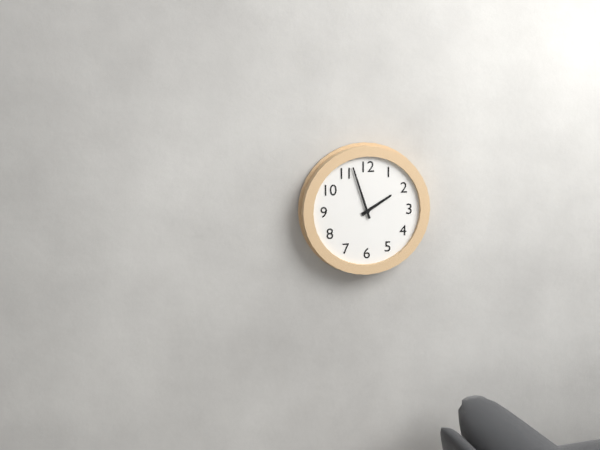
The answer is 1:57
